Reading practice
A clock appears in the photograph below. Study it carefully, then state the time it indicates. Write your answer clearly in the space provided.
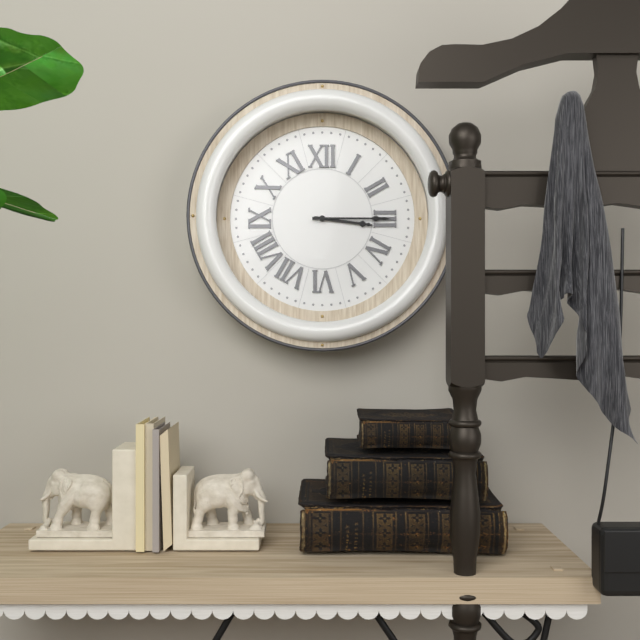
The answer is 3:15
